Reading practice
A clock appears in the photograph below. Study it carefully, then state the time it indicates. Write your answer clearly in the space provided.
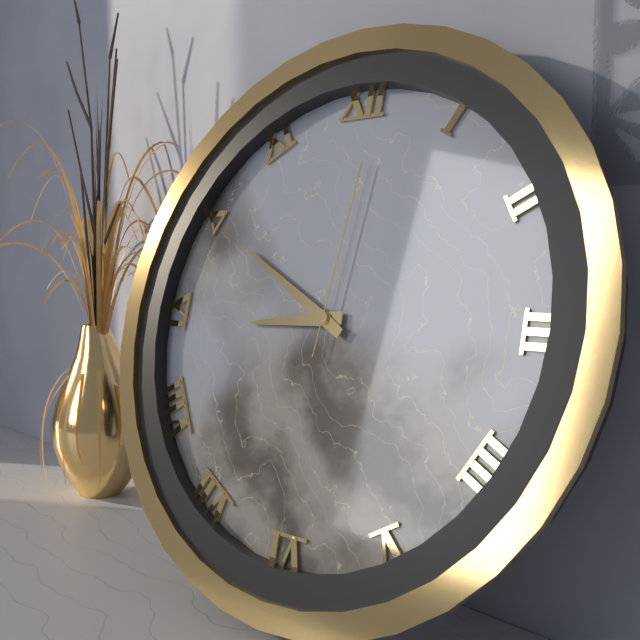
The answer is 8:50:01
